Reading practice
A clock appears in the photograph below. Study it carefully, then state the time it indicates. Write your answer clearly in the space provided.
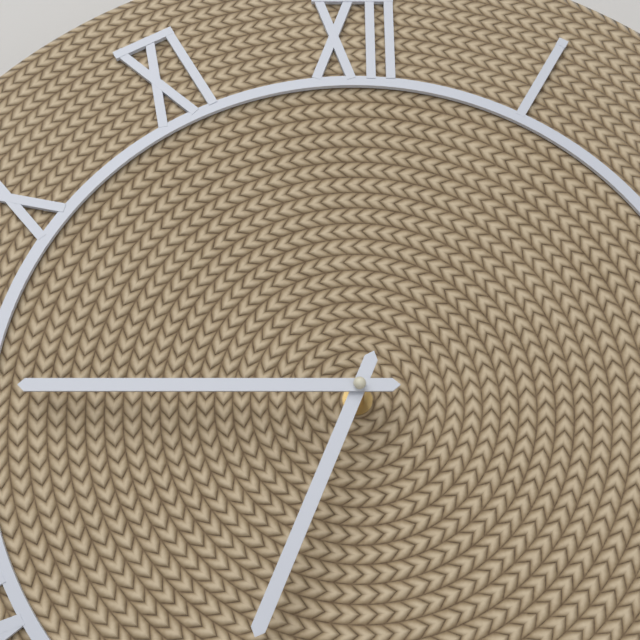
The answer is 6:45
